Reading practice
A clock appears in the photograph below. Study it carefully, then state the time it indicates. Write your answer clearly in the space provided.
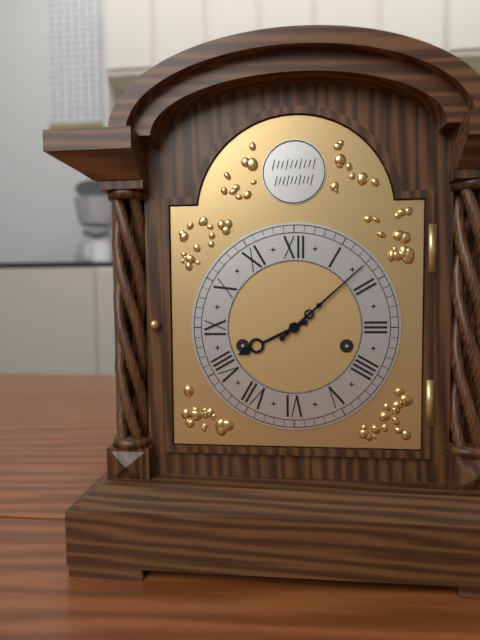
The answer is 8:08
